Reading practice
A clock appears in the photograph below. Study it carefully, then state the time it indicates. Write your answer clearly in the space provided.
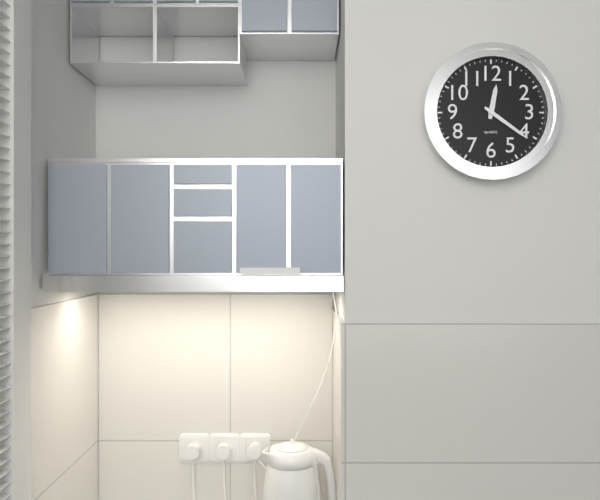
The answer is 12:21
